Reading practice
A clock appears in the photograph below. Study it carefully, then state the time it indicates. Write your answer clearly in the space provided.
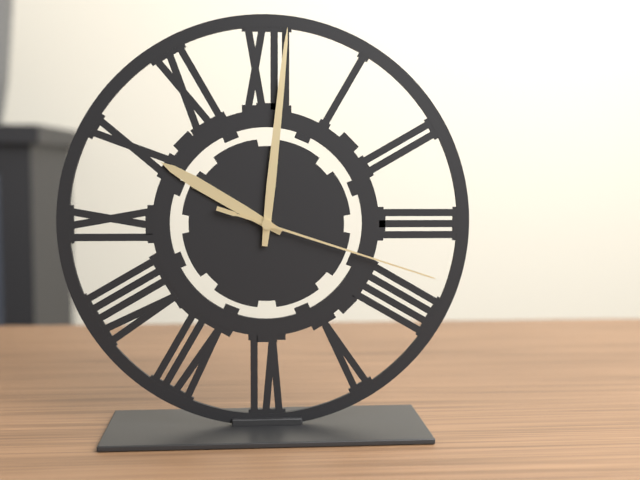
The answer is 10:01:18
